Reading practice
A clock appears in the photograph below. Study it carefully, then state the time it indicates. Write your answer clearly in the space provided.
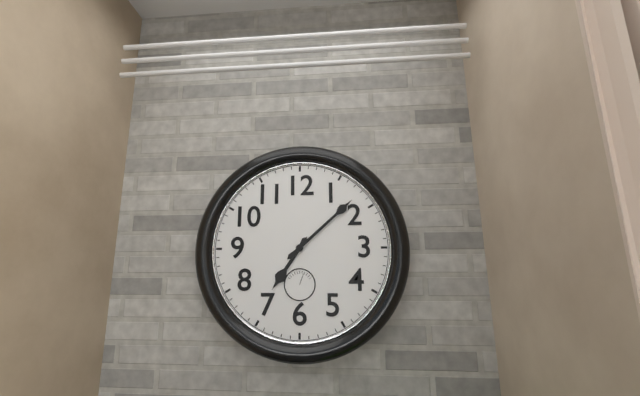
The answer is 7:08
